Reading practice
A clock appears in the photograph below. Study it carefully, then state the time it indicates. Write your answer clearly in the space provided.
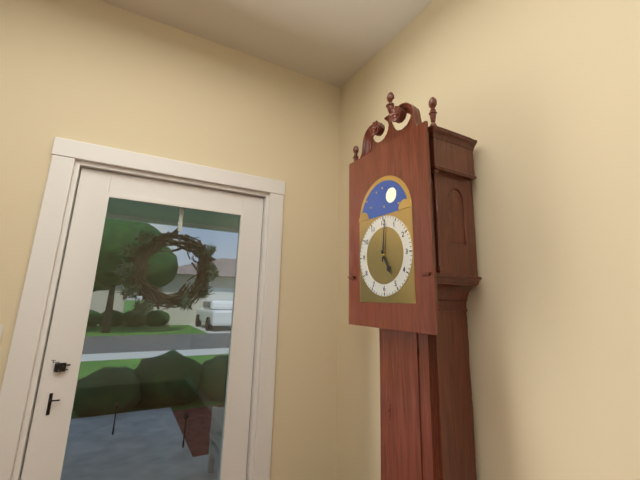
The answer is 5:01
